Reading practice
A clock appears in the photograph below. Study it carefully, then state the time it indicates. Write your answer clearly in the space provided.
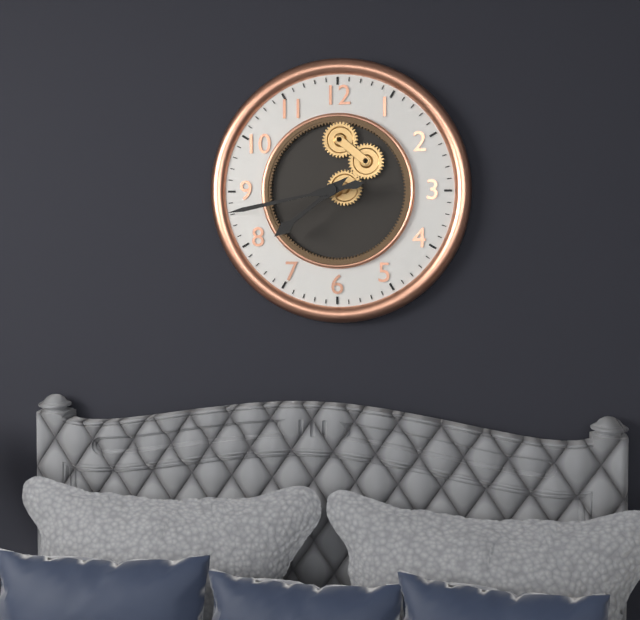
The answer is 7:43
